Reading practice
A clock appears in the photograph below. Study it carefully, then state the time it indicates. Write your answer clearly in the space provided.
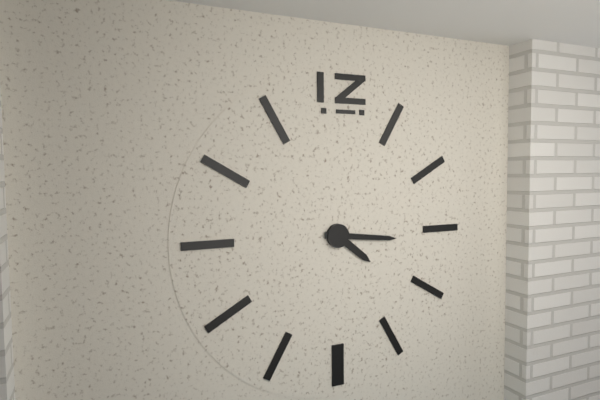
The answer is 4:16
